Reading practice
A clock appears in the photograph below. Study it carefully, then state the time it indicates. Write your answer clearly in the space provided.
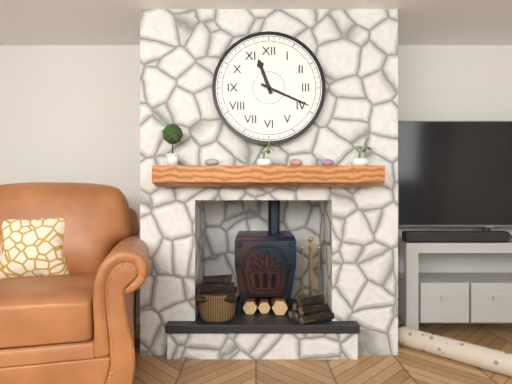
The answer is 11:19
